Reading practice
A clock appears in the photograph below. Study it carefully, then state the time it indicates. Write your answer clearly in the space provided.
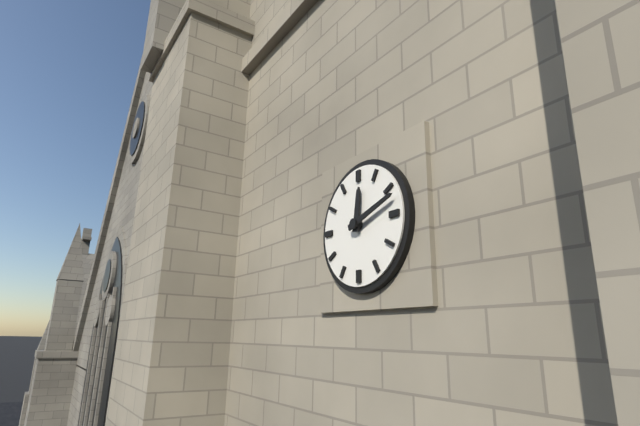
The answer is 12:12
